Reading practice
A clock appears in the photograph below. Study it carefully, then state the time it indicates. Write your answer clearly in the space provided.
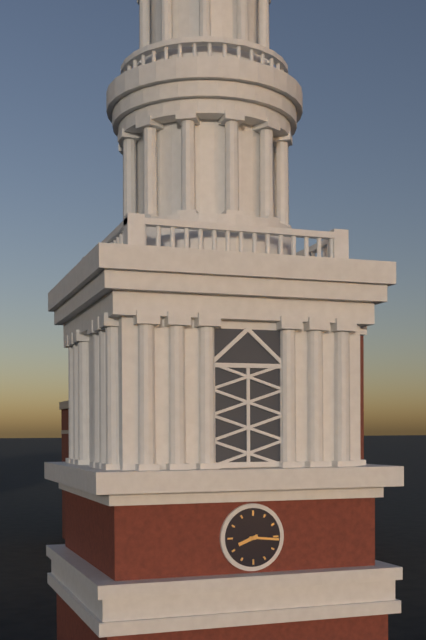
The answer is 8:16
